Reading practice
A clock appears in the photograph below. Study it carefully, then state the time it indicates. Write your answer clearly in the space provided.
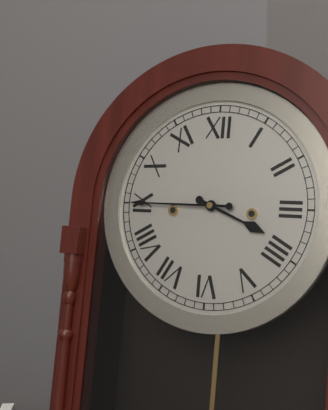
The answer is 3:45
